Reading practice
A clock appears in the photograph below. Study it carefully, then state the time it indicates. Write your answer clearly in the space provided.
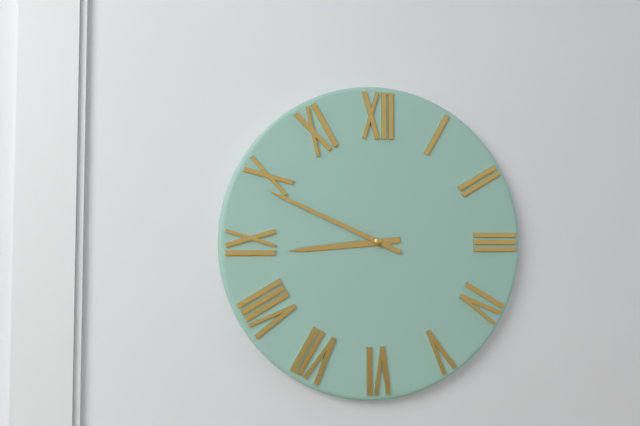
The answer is 8:49
